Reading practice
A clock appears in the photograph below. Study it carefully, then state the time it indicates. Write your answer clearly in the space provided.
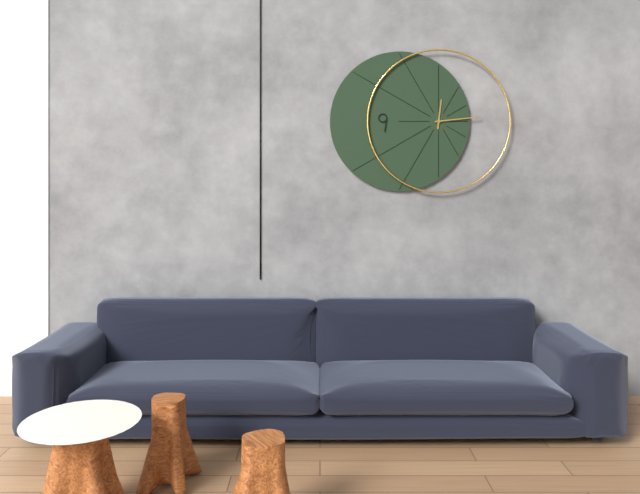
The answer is 12:14
